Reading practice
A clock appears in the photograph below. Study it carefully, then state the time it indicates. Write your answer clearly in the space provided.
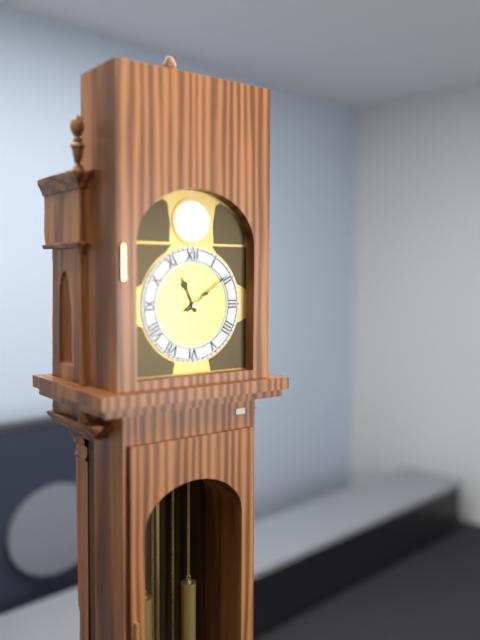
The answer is 11:09
